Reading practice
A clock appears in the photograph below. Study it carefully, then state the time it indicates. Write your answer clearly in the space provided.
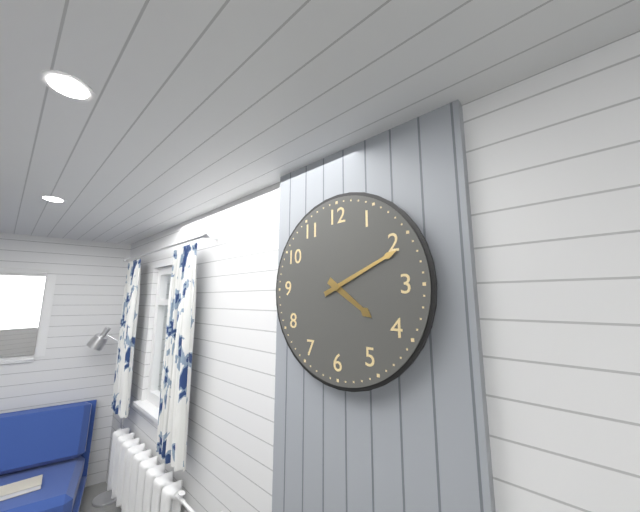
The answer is 4:11
